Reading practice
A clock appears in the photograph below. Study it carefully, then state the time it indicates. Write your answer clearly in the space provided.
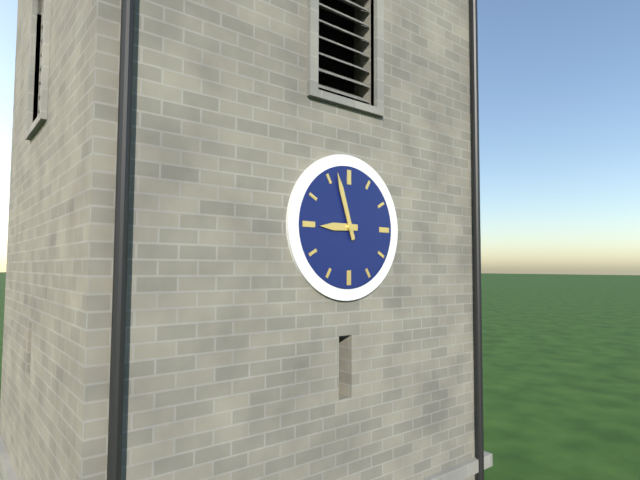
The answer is 8:57
